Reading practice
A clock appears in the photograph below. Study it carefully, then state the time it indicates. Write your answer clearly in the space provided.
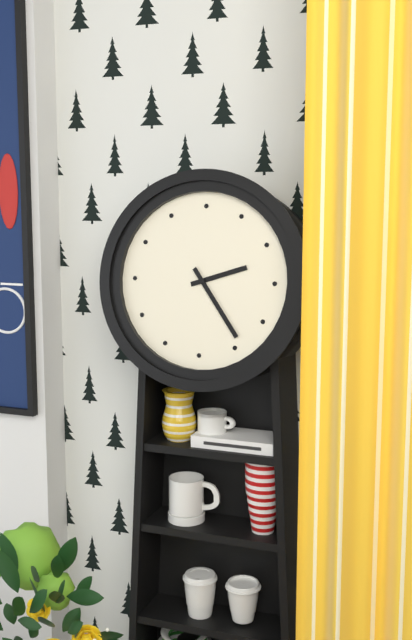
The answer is 2:24
